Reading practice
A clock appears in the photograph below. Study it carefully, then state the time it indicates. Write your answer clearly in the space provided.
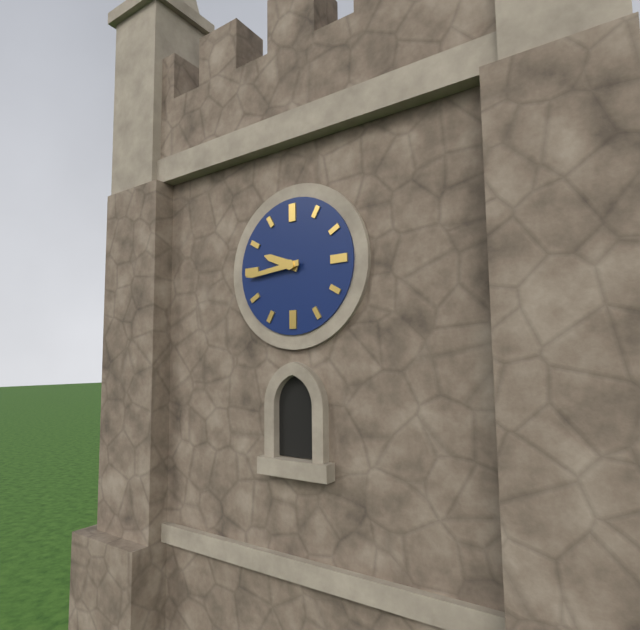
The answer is 9:44
